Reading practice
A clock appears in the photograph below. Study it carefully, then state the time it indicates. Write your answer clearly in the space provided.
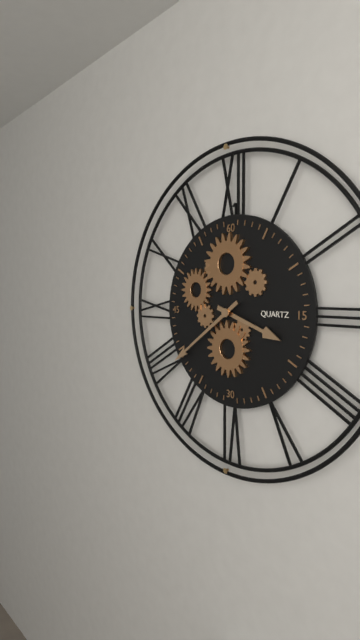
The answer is 3:39
